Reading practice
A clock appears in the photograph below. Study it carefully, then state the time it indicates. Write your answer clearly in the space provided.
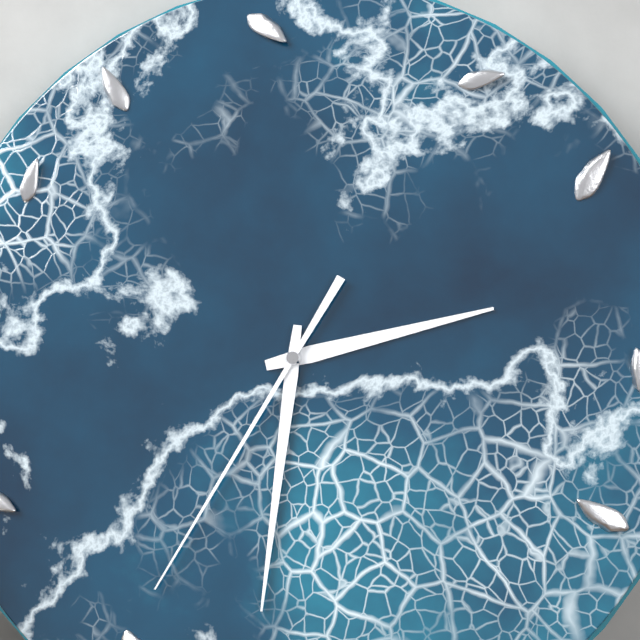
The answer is 2:31:35
